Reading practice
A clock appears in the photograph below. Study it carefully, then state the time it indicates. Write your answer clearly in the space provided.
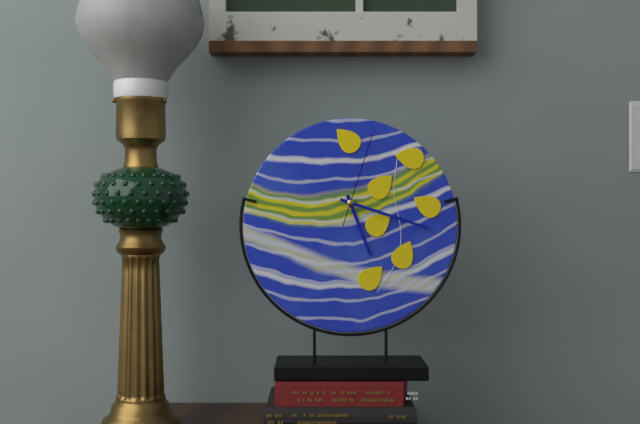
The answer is 5:18:03
